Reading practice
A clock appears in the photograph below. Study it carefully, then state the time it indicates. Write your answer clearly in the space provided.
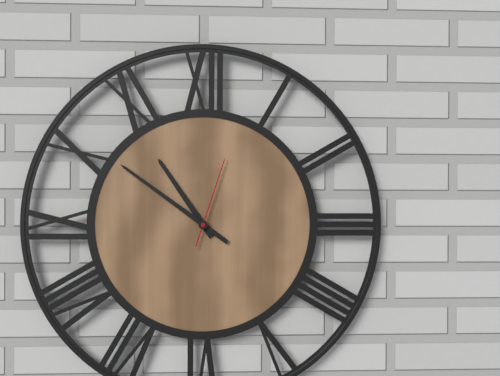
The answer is 10:51:03
